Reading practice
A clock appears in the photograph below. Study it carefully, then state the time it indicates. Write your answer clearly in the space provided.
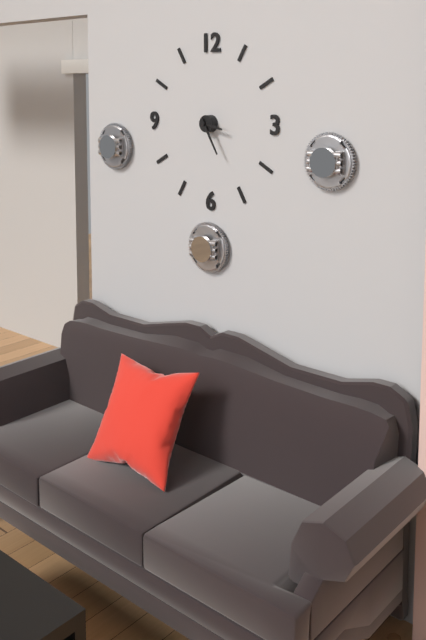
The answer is 3:25
